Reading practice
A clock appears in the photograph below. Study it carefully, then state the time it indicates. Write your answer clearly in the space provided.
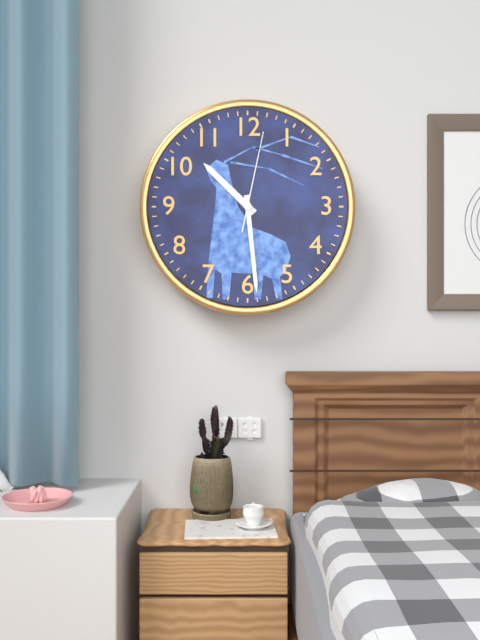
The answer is 10:29:02
